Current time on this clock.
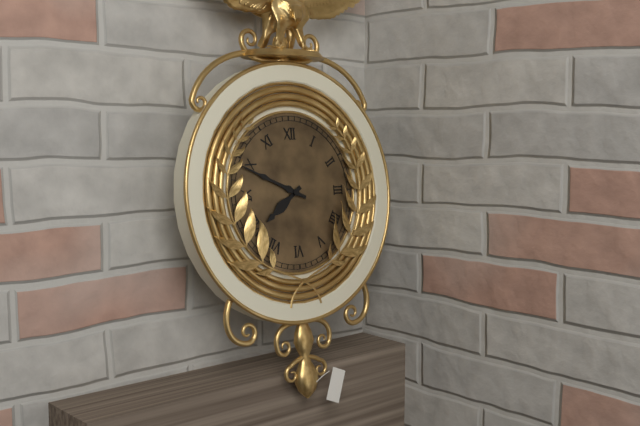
7:49
